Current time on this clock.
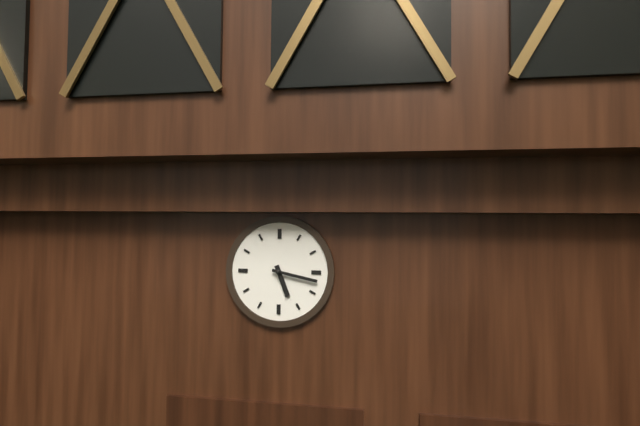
5:17
